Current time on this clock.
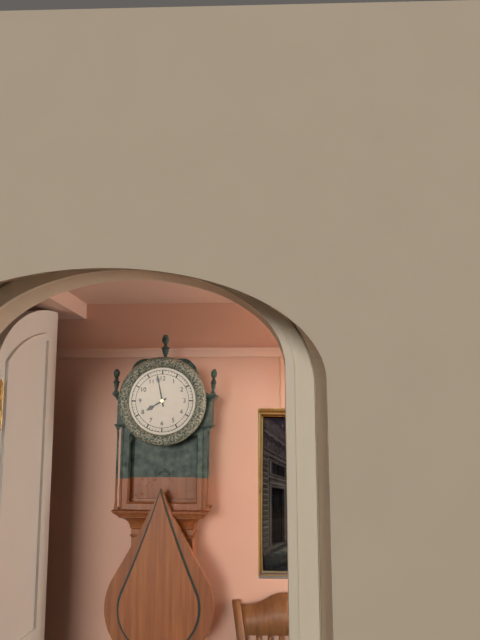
7:58
